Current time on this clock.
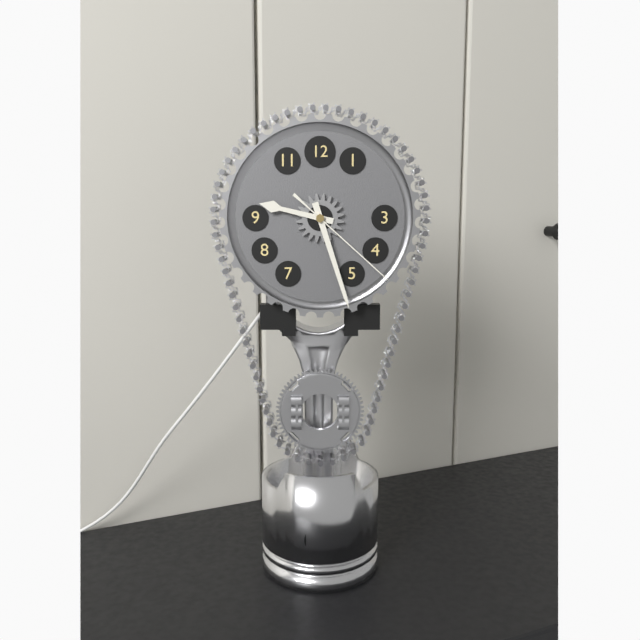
9:27:22
